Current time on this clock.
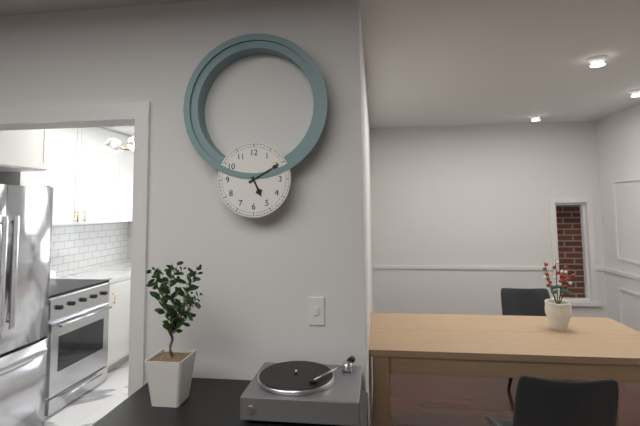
5:10
